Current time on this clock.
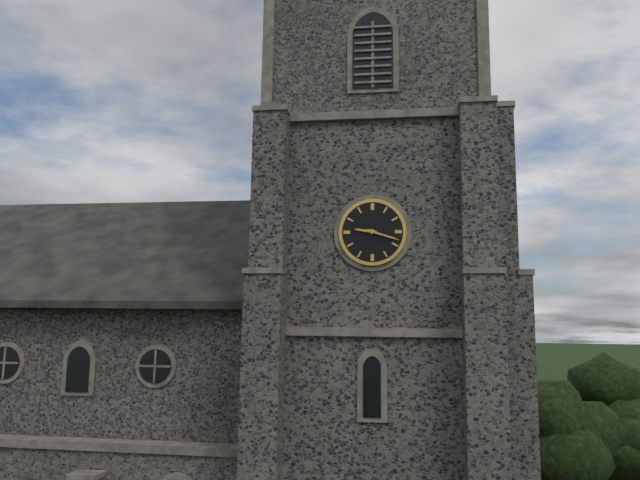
9:18
